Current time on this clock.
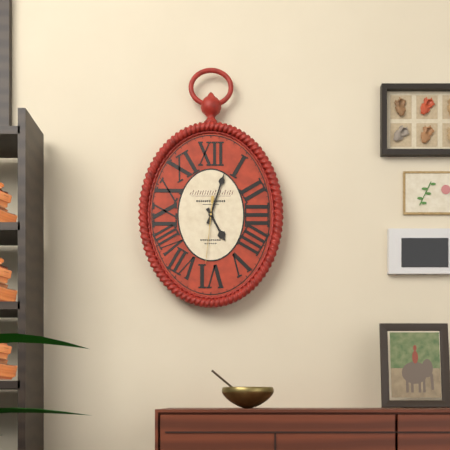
5:03:31
